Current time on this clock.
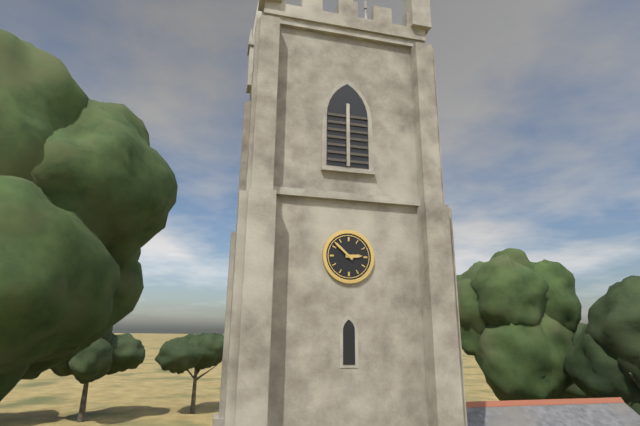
2:52
